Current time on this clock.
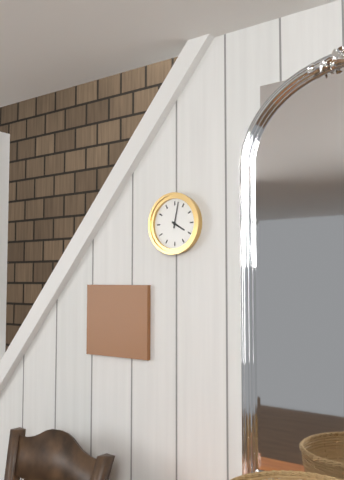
4:02
